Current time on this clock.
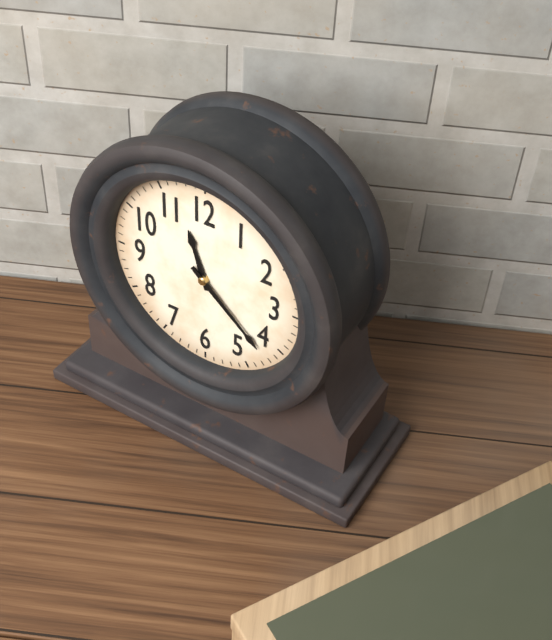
11:22
